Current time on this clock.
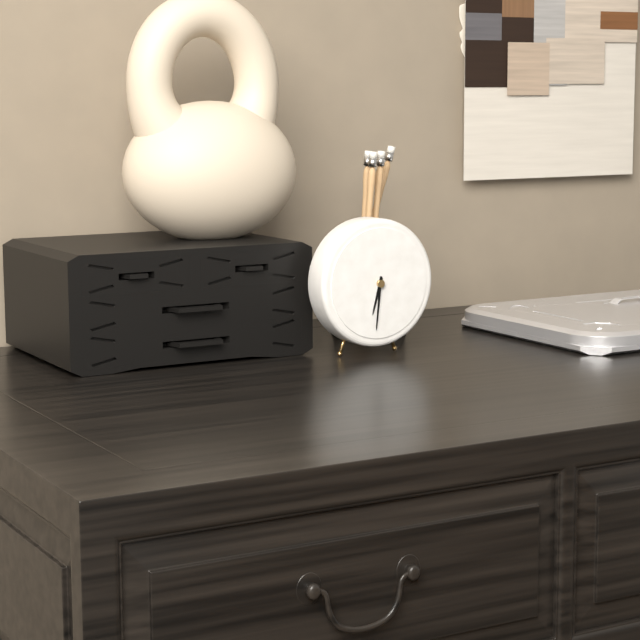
6:31
